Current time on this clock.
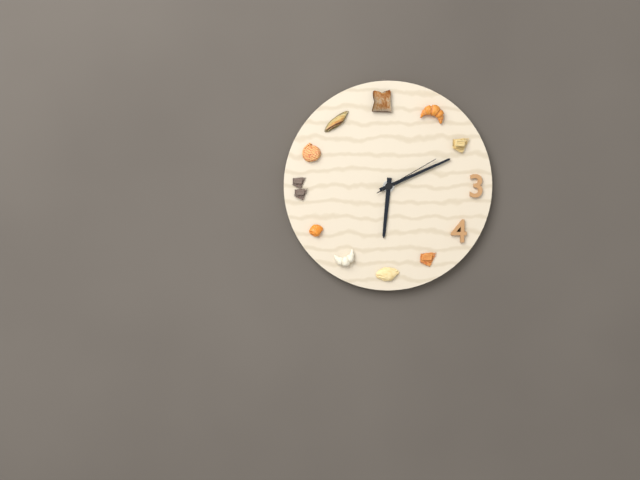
6:11:10
